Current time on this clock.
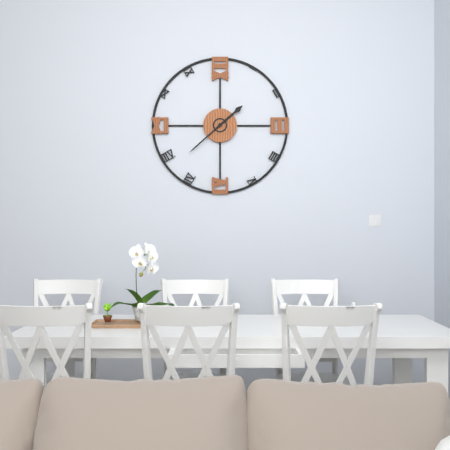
1:38
